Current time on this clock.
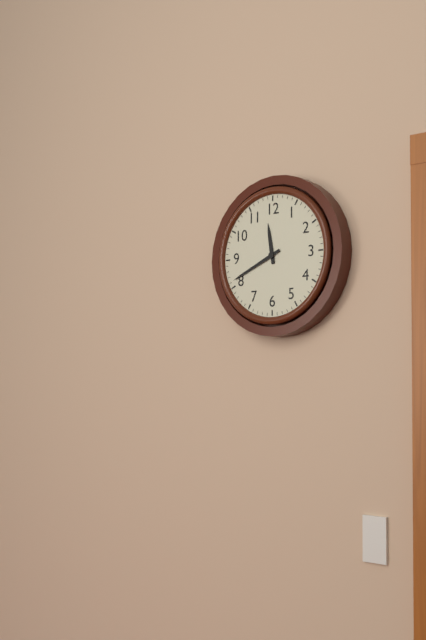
11:41
